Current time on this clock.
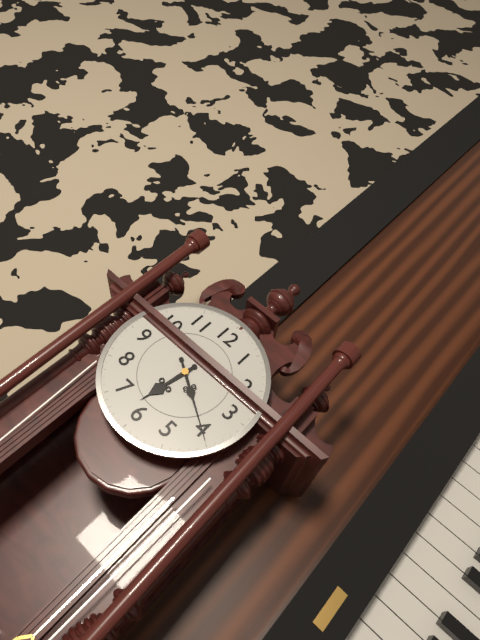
6:20
